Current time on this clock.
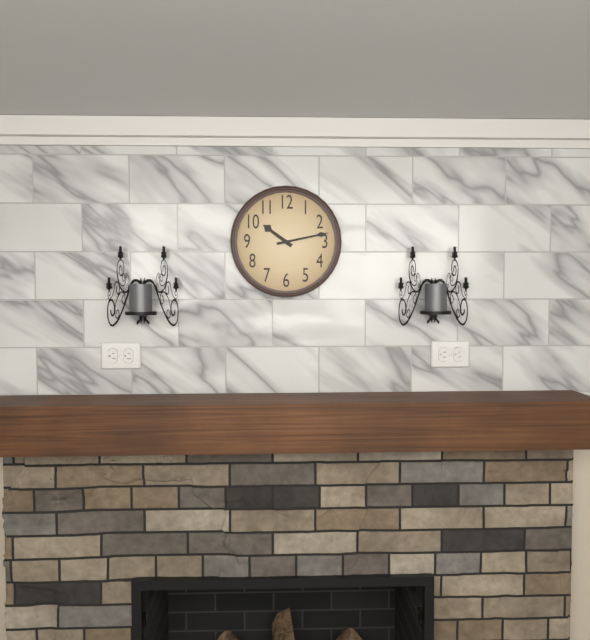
10:13
